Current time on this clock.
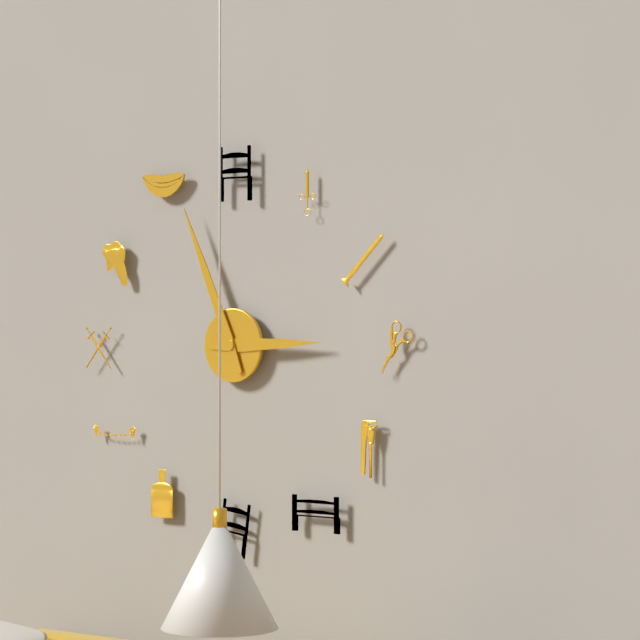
2:56
